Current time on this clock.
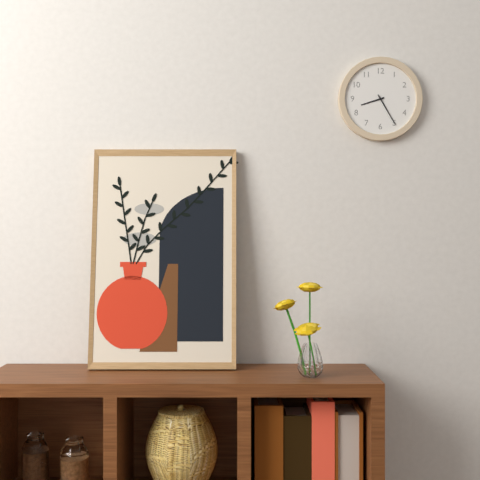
8:25
